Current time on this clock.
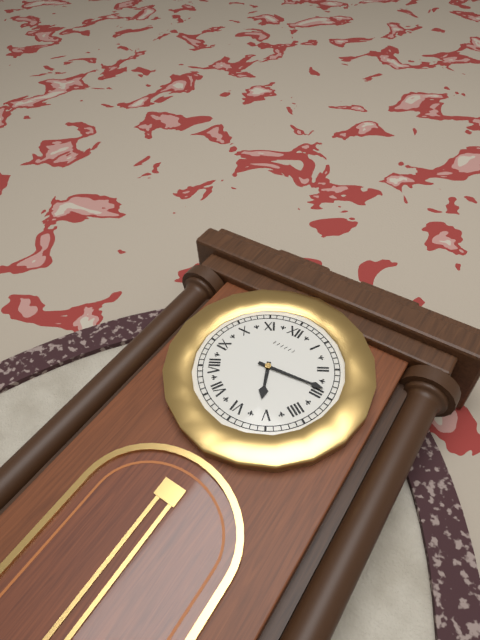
5:14
